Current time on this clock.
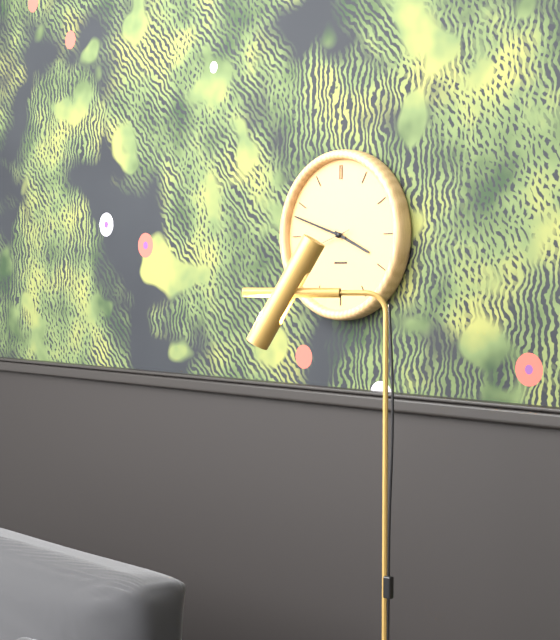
3:48
